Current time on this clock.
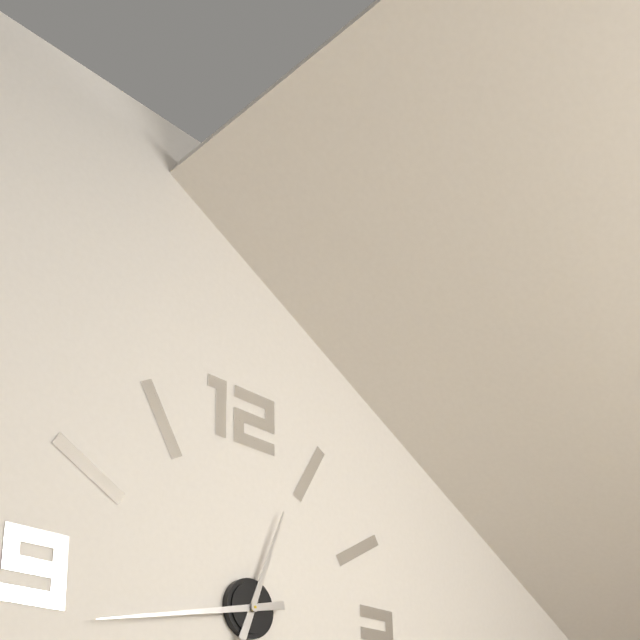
12:43
